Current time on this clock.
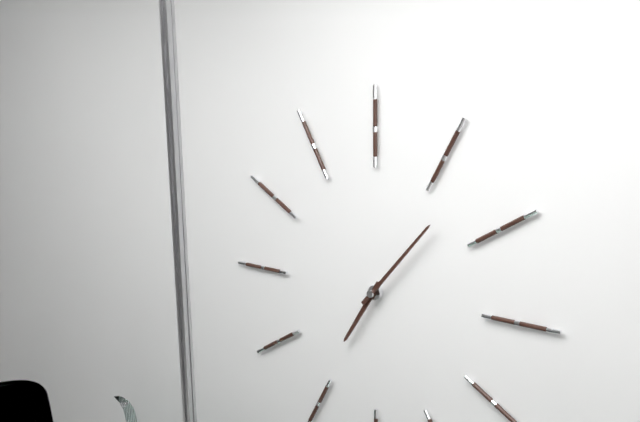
7:07
